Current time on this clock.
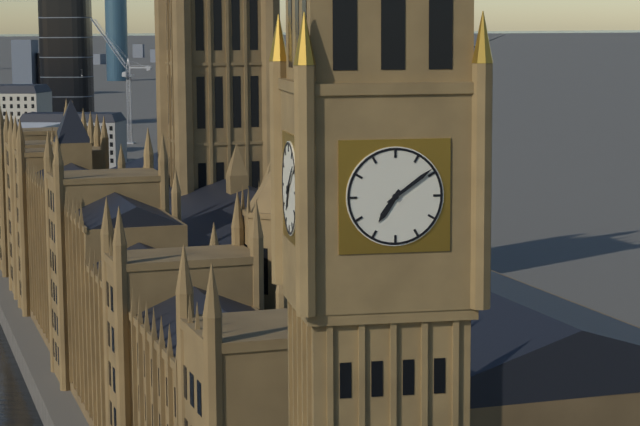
7:09
